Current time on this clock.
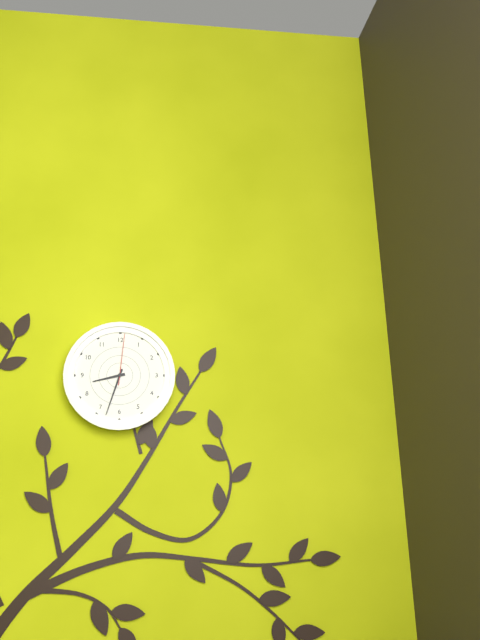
8:33:01
